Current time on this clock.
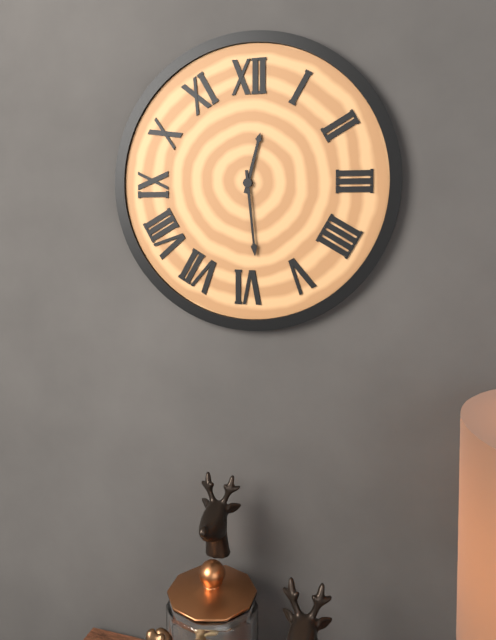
12:29
